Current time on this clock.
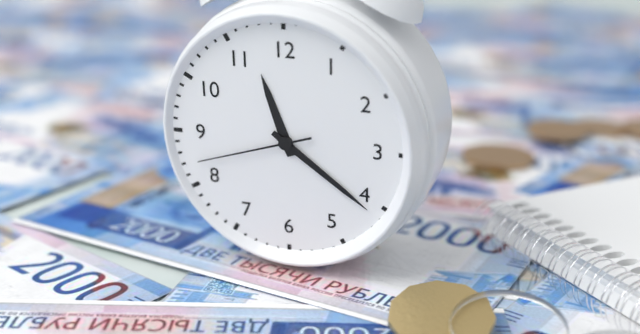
11:21:42
